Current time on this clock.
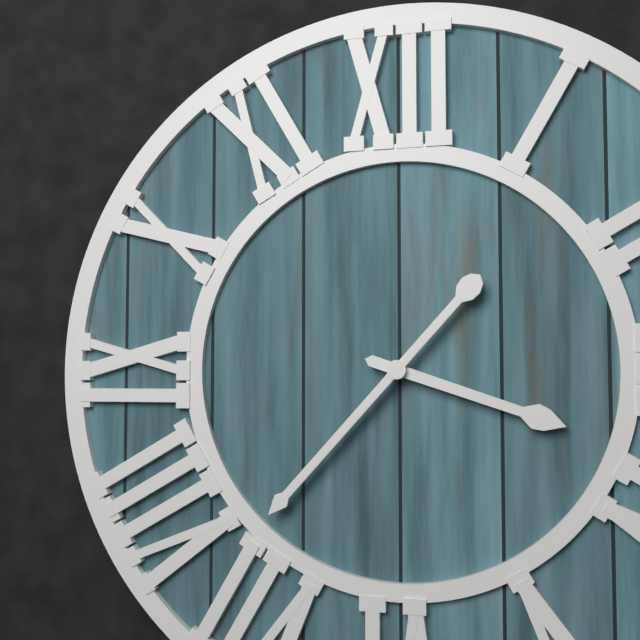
3:37
